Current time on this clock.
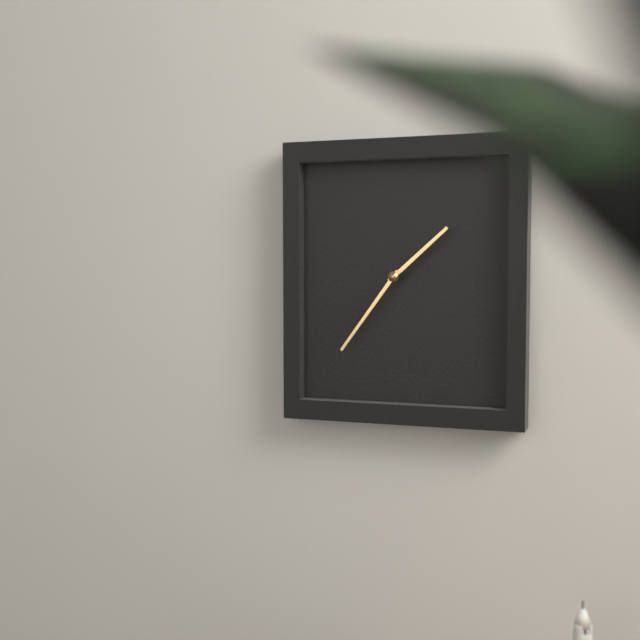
1:36
